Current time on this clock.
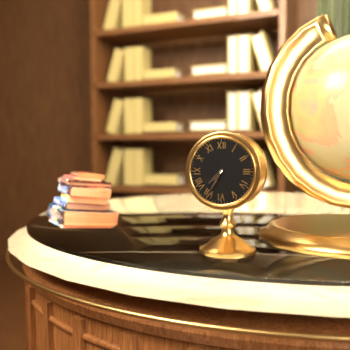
7:35
